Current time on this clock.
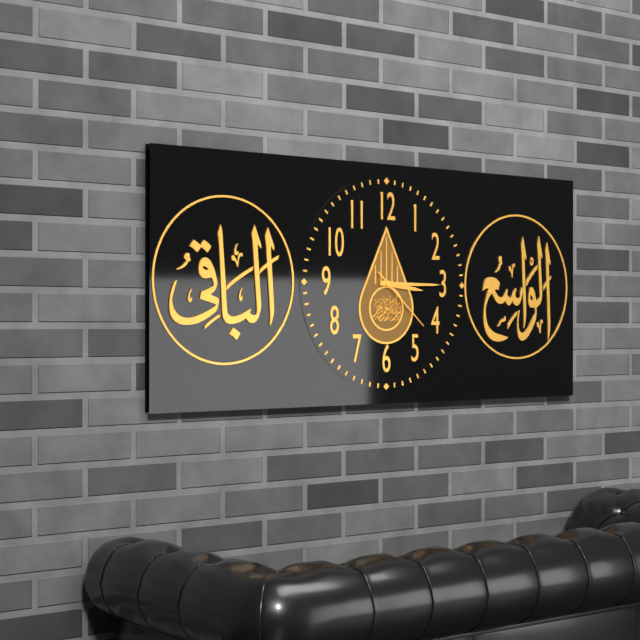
3:15:22
